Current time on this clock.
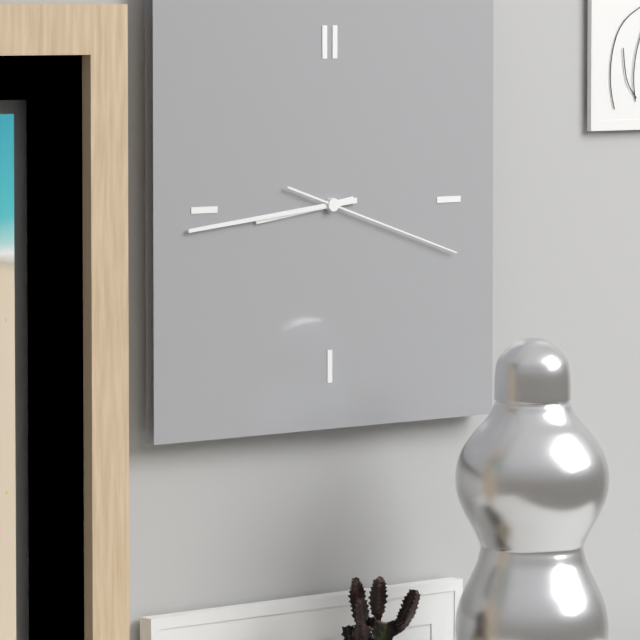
8:44:18
